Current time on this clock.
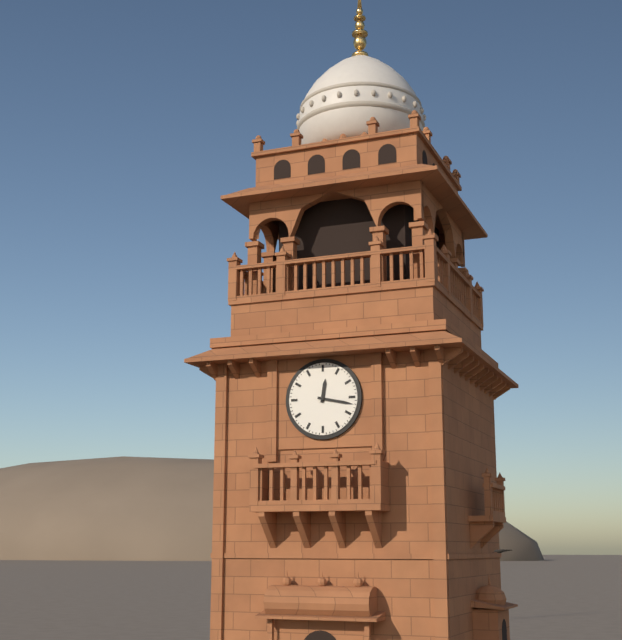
12:17
